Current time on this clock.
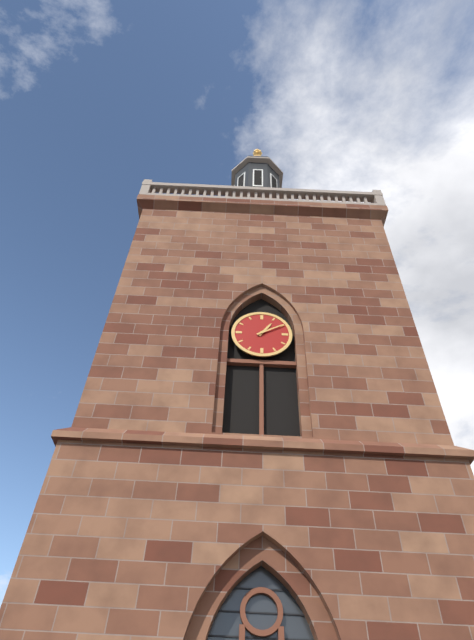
1:10
